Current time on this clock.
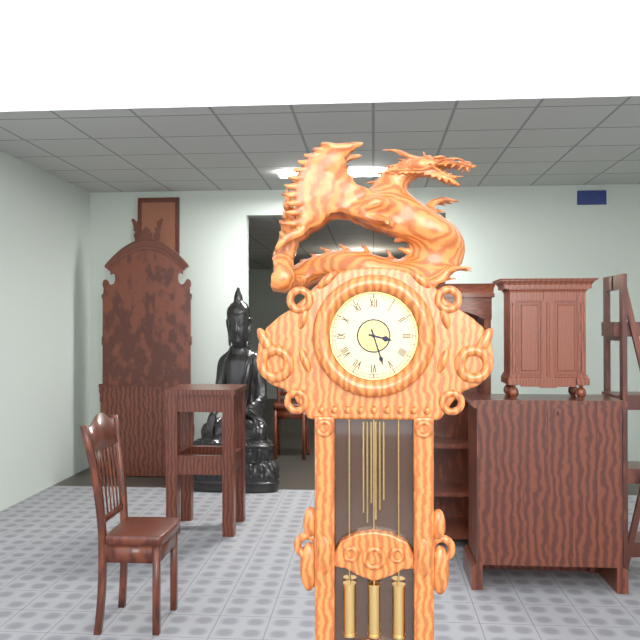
3:27
